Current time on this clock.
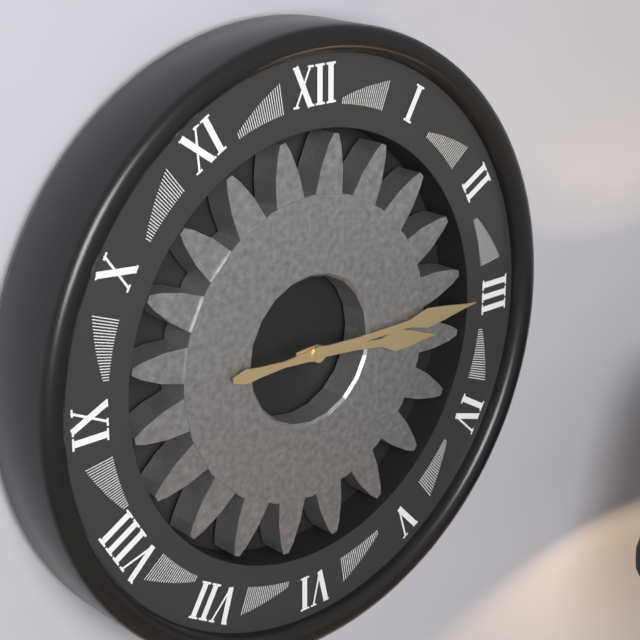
3:15
